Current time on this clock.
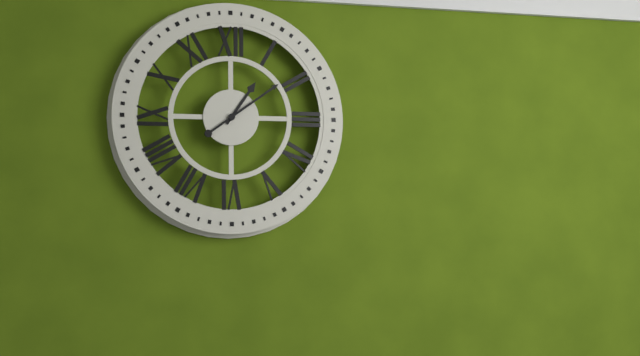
1:09
